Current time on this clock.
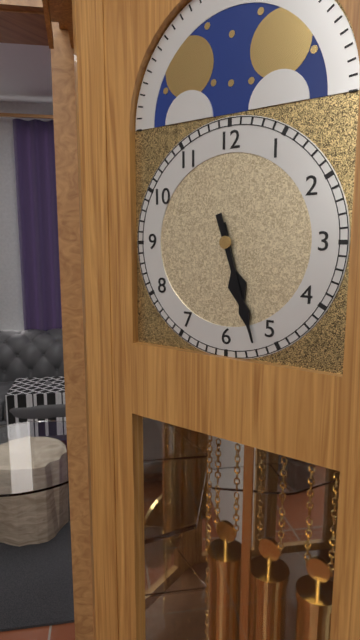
5:27
